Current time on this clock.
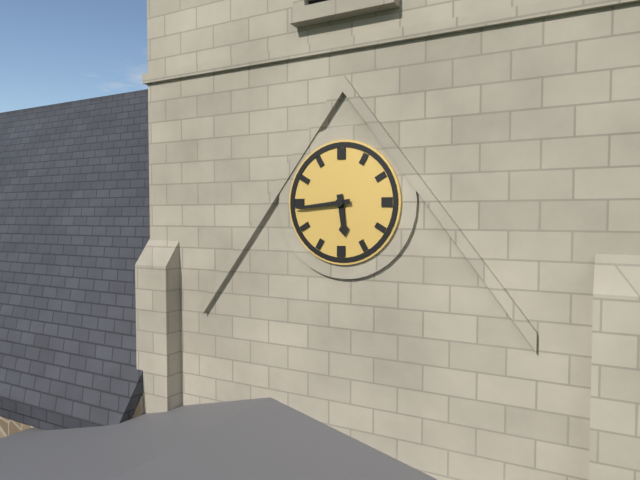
5:44
